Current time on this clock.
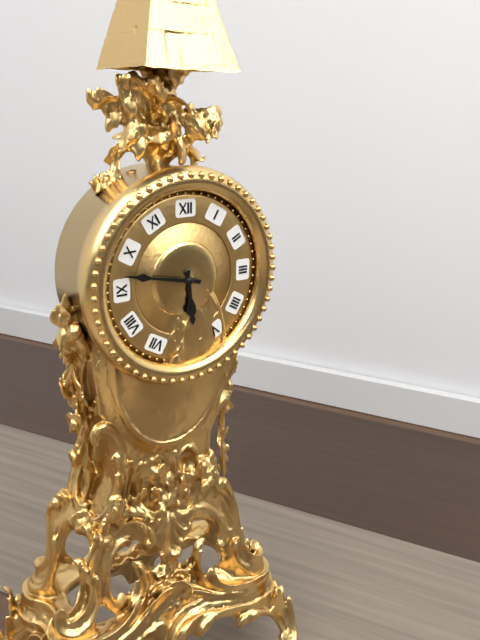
5:47
